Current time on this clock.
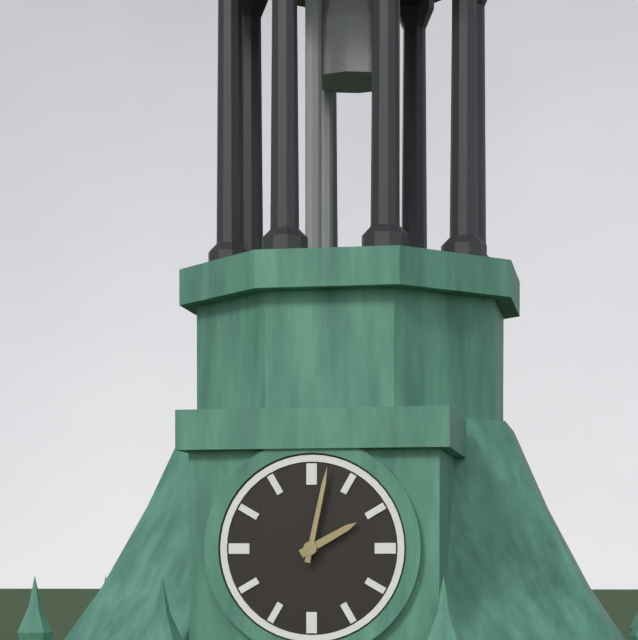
2:02
